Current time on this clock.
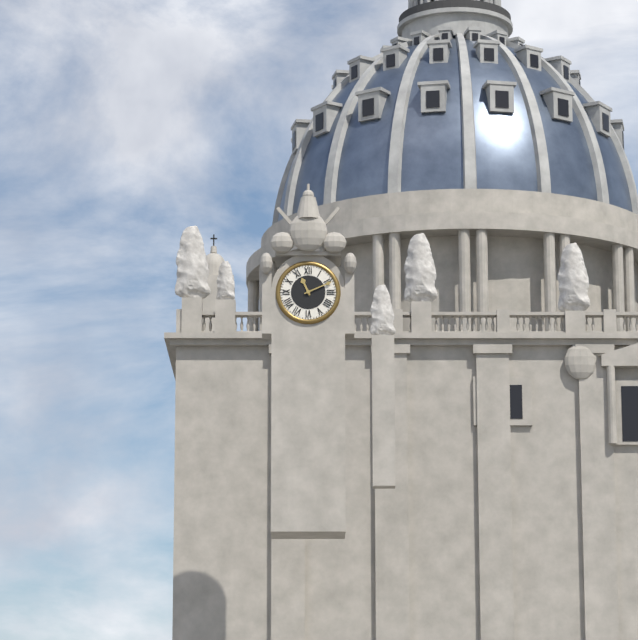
11:11
